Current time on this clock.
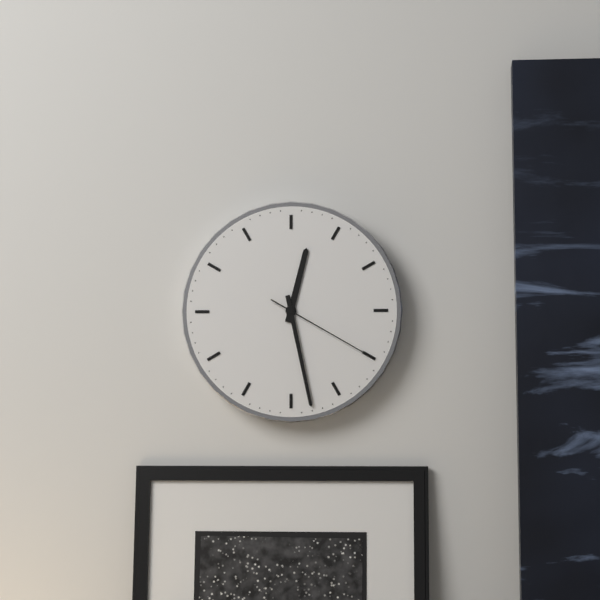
12:28:20
